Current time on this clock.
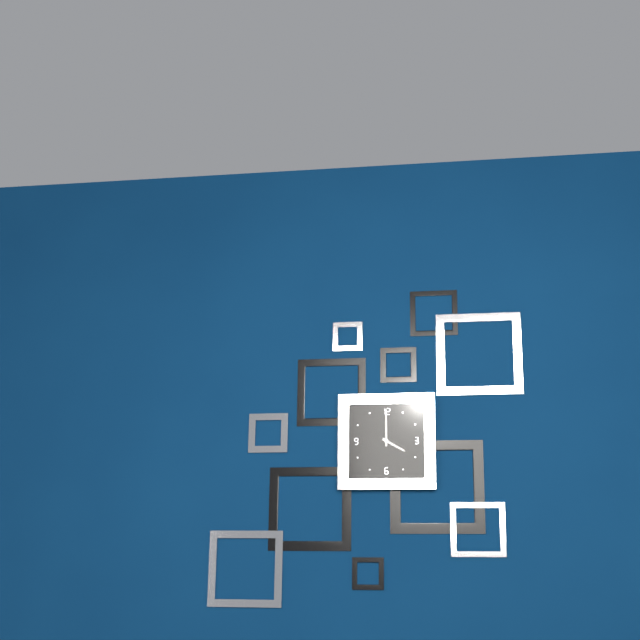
4:00
